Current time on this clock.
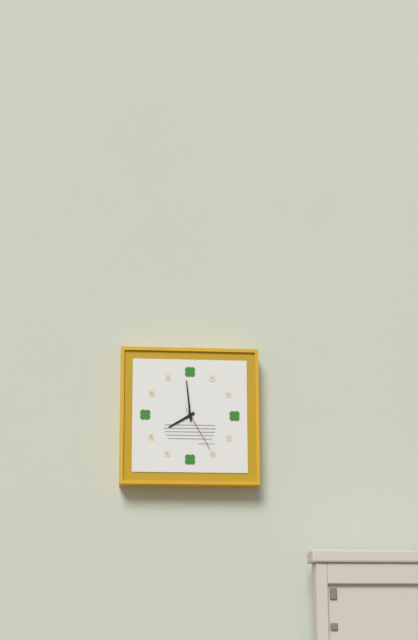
7:59
